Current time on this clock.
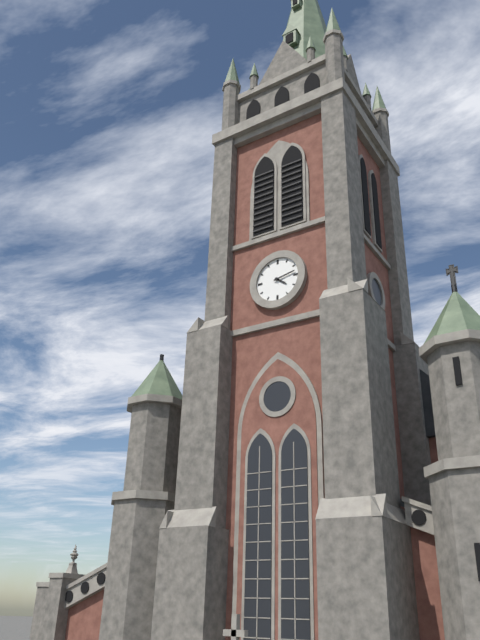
4:13
